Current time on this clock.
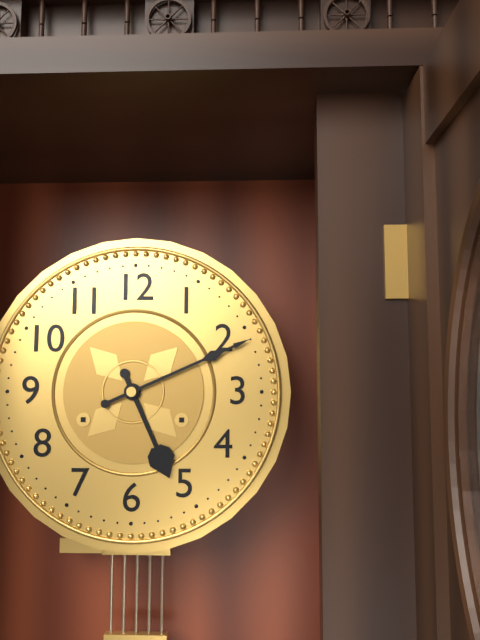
5:11
